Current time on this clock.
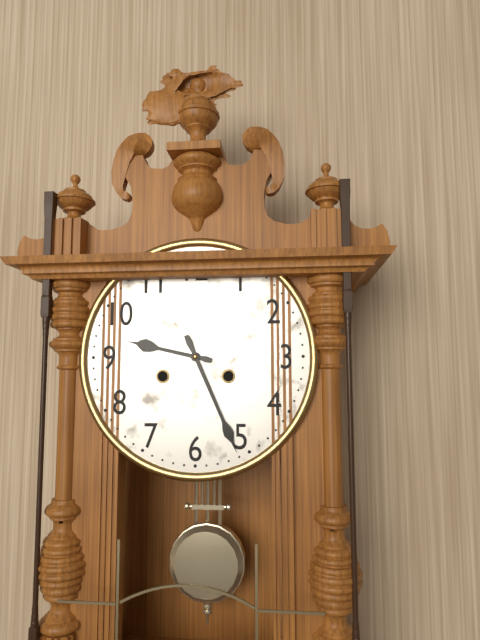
9:26
